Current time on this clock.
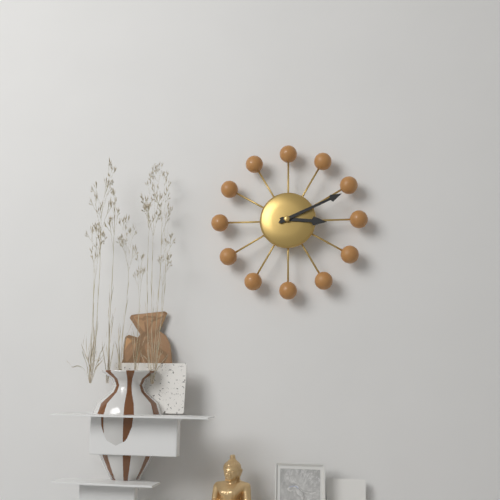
3:11
